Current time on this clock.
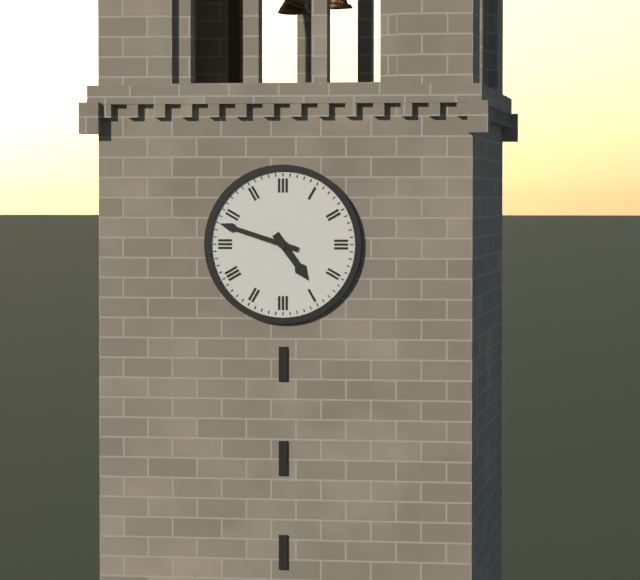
4:48
